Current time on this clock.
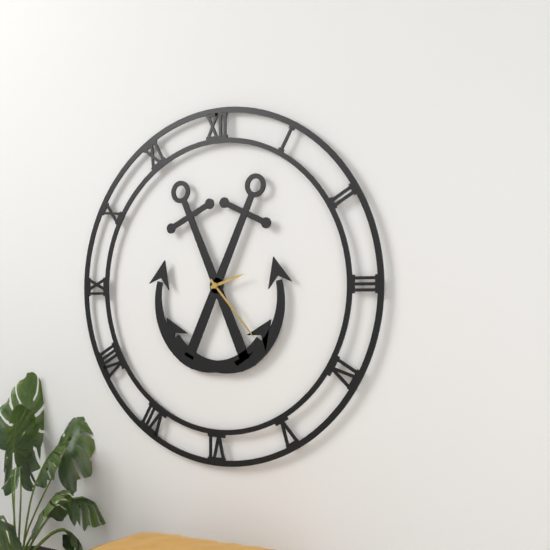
2:23
